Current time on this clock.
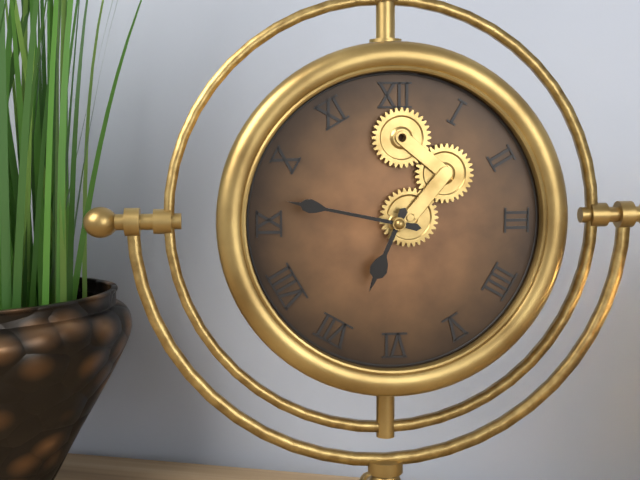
6:47
